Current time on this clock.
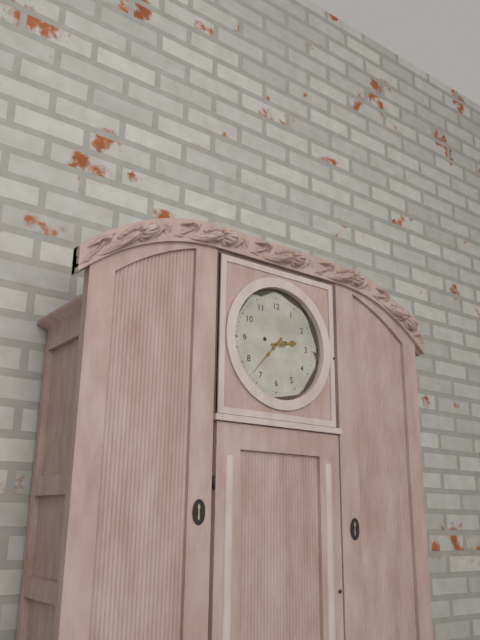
2:37
